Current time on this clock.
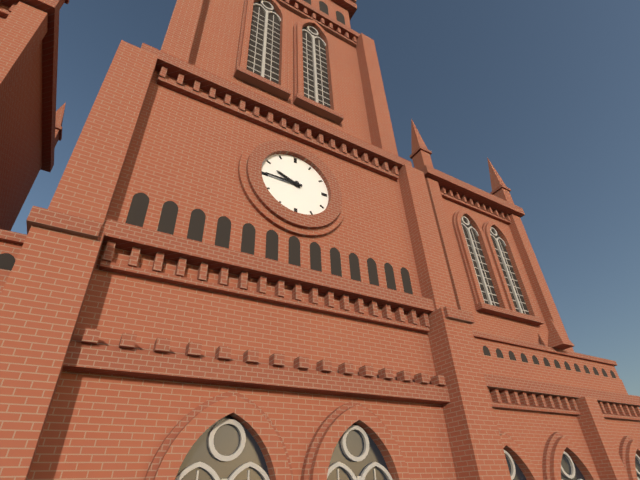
9:45
